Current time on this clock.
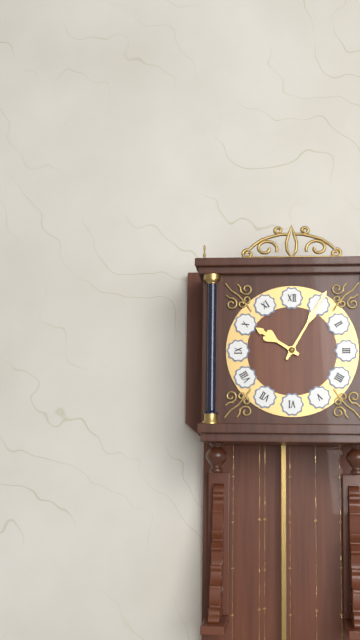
10:05
